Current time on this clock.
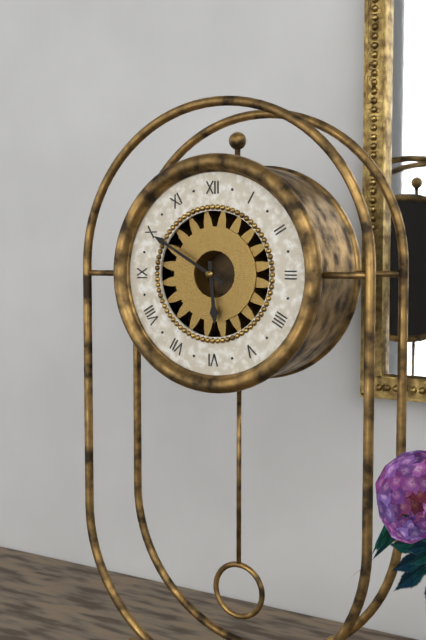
5:50
